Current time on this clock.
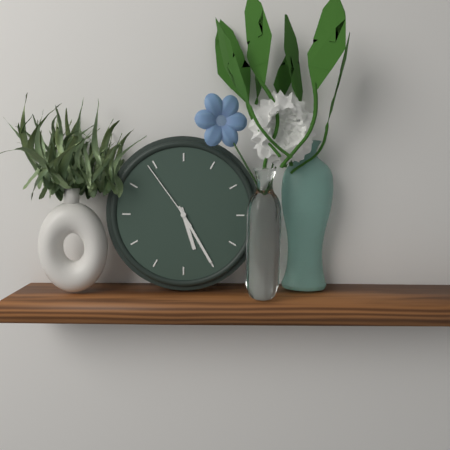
5:25:54
